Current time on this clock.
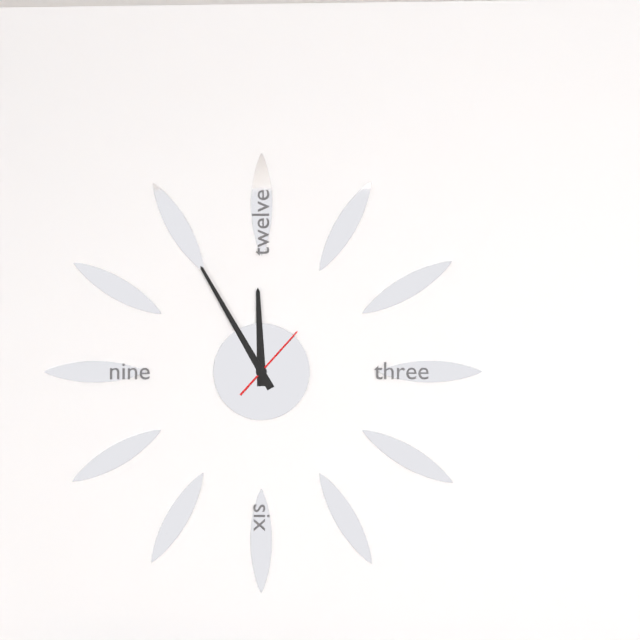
11:55:07
